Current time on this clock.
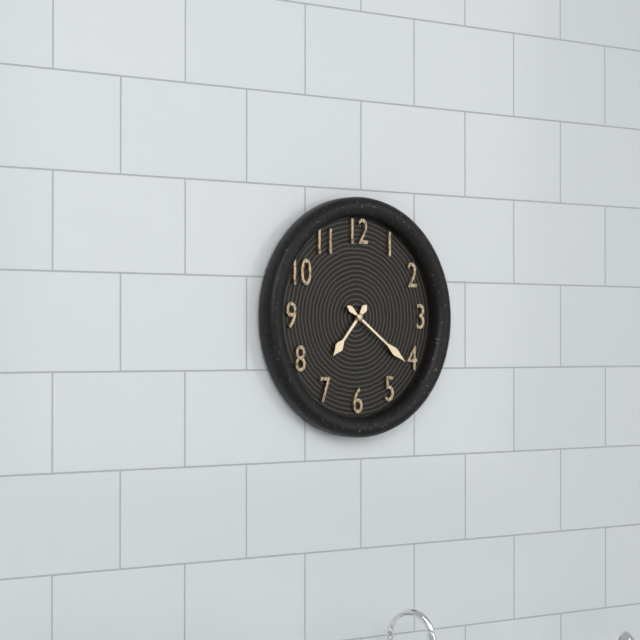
7:21
